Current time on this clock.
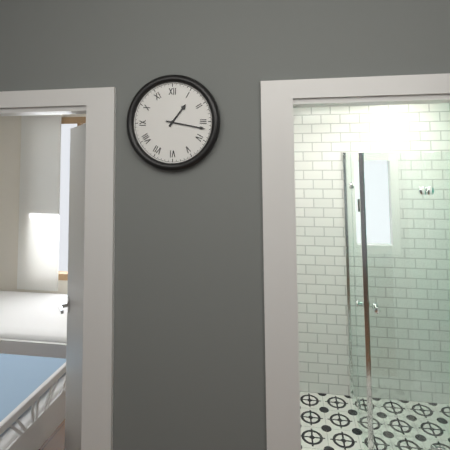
1:17
